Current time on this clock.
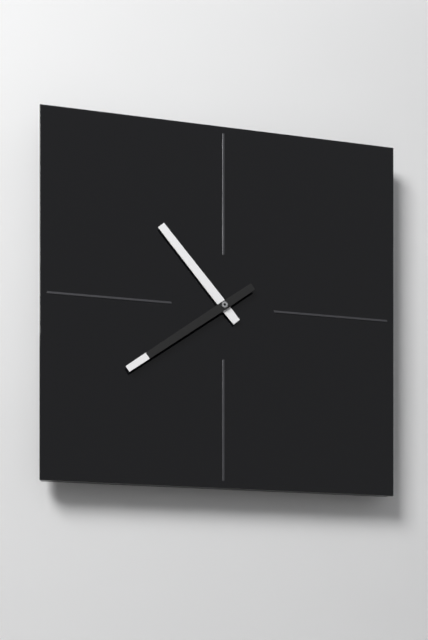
10:39
